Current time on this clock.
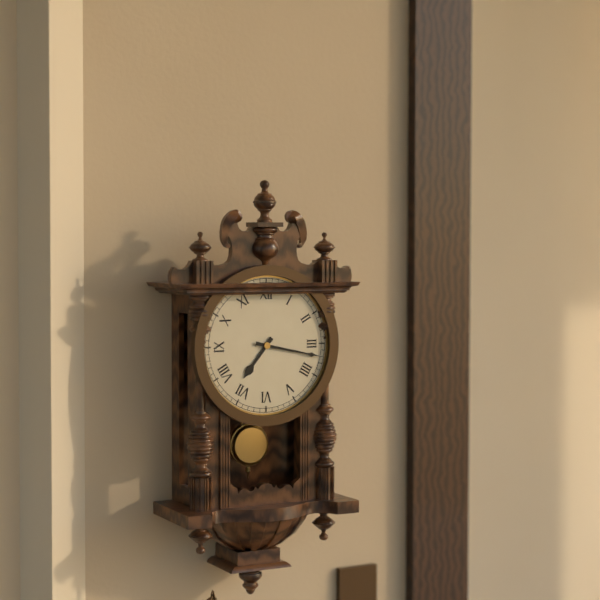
7:17
